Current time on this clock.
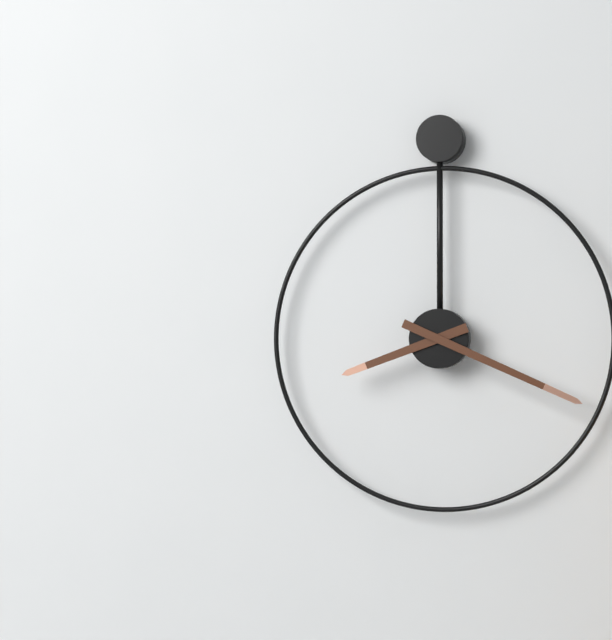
8:19
